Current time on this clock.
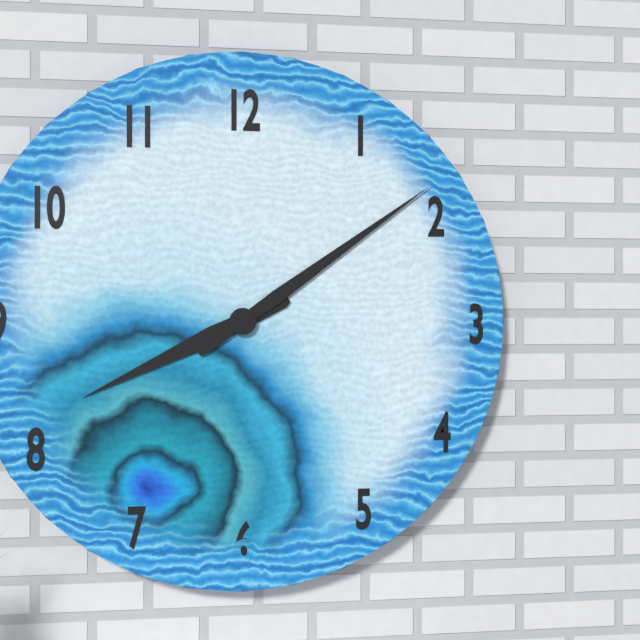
8:09
